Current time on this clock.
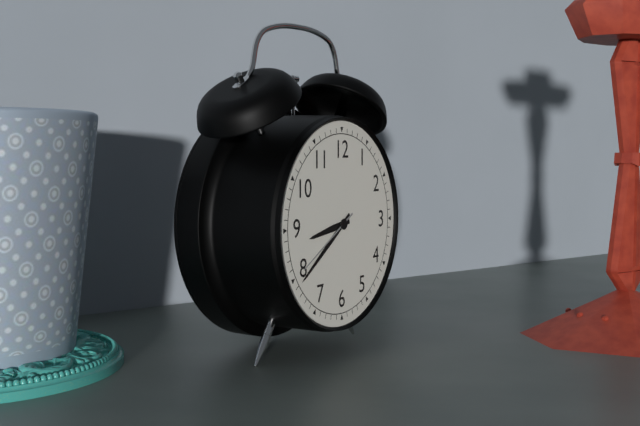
8:39:40
